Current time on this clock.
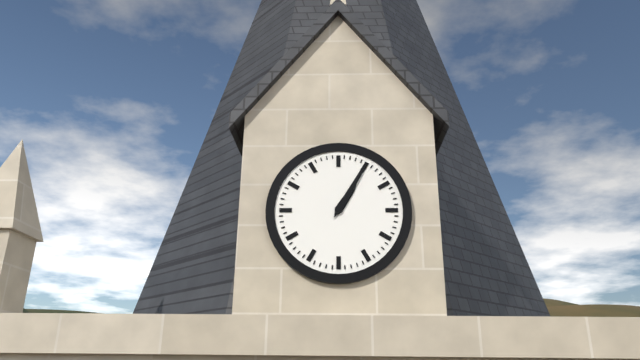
1:05
